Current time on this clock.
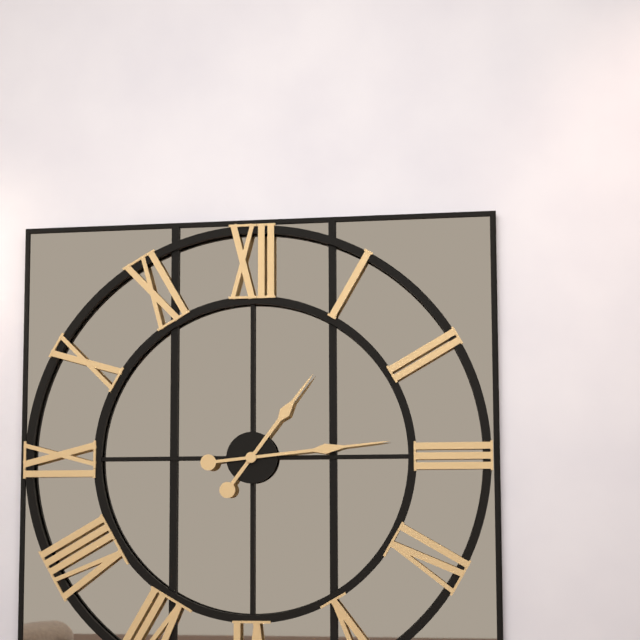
1:14
